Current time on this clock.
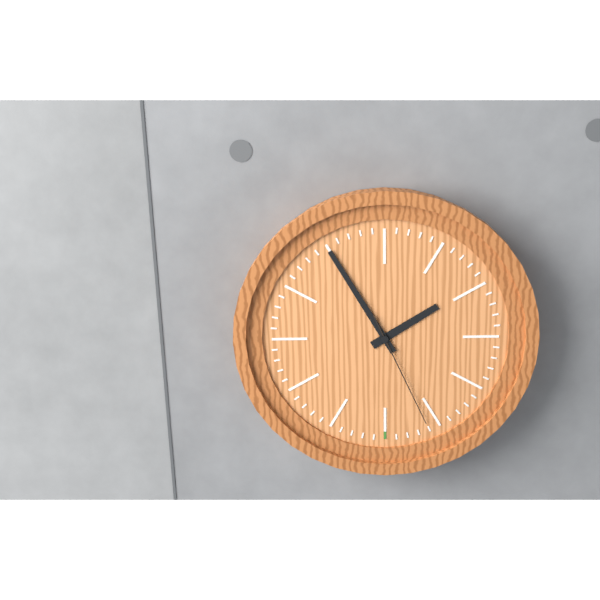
1:55:26
